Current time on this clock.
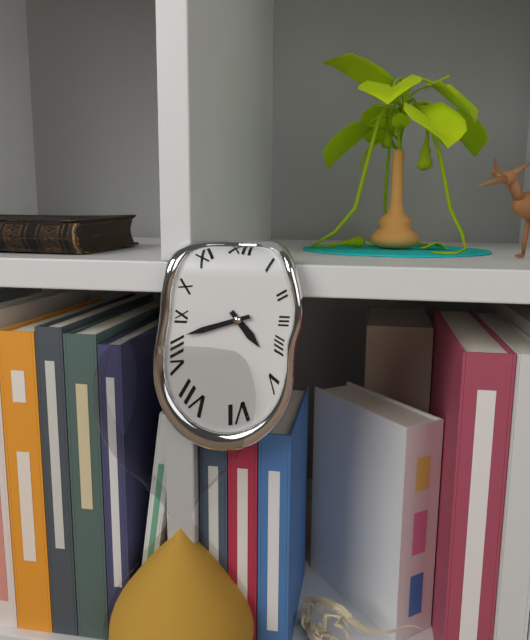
4:42
